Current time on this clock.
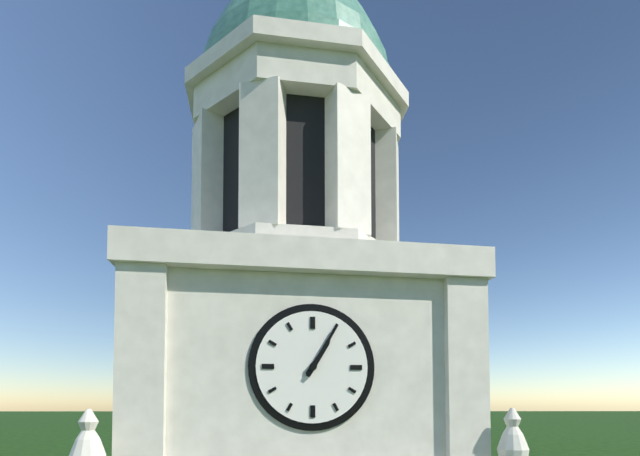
1:05
